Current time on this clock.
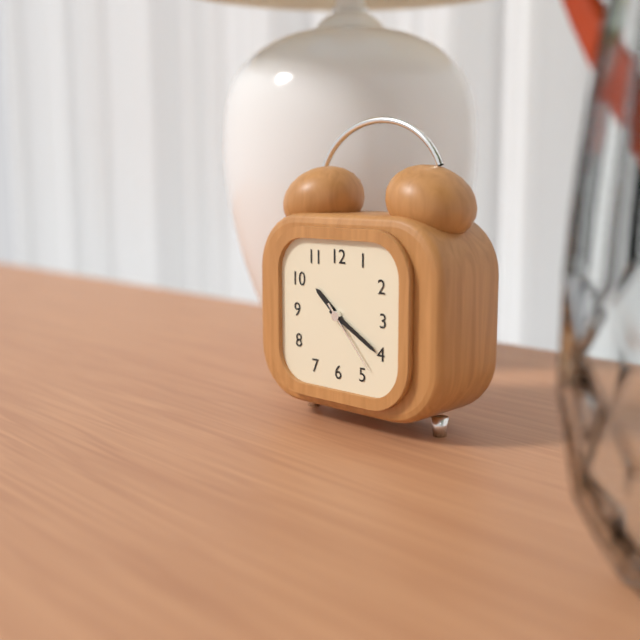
10:20:23
